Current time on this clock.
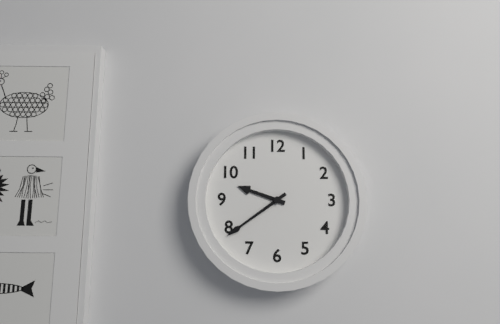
9:39
